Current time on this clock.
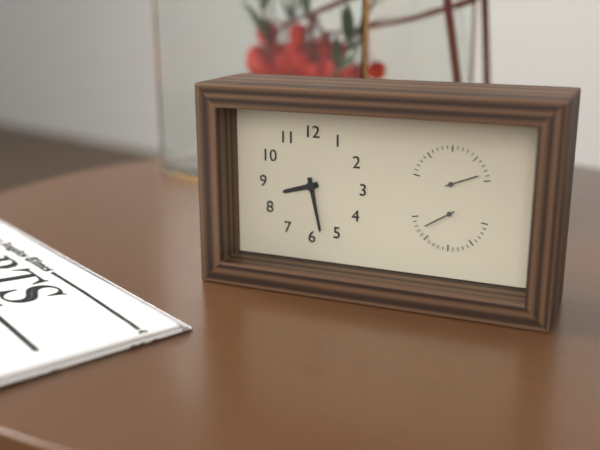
8:28
